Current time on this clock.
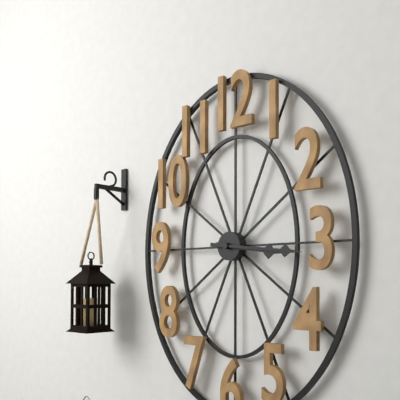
3:16
